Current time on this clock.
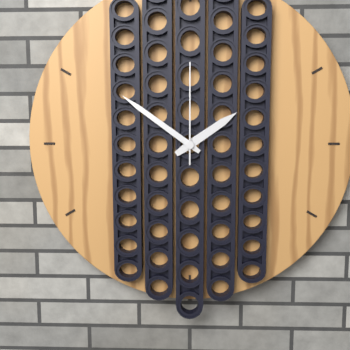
1:51:00
